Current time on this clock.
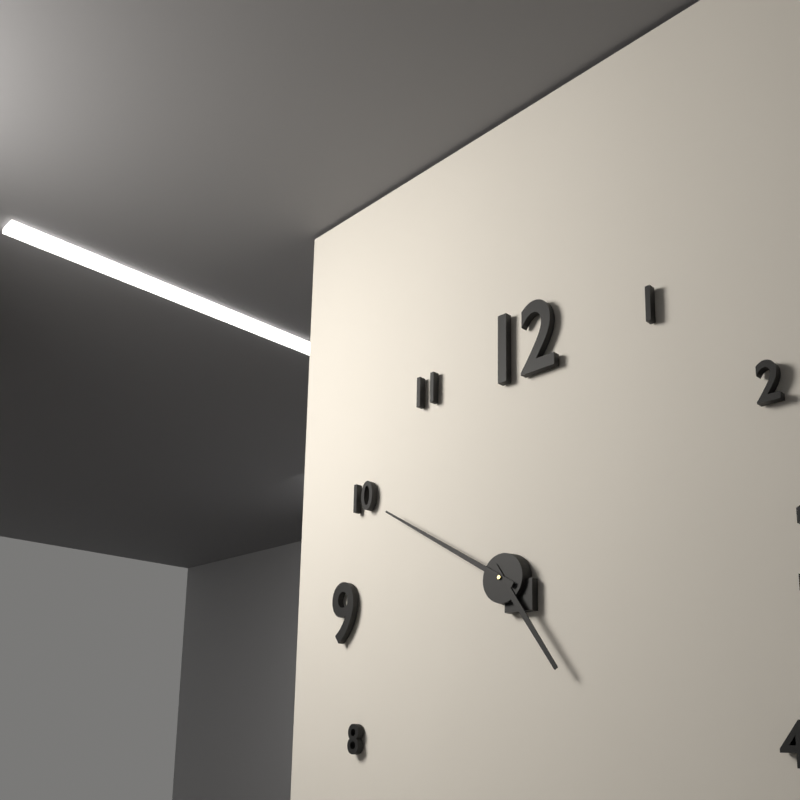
4:50
